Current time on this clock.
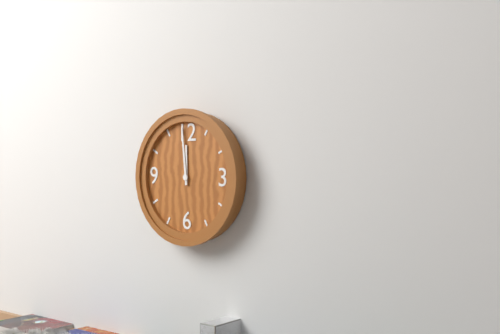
11:59
